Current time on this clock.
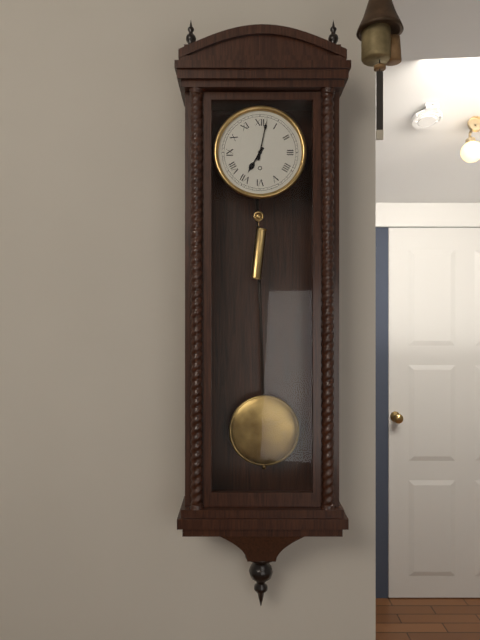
7:02
